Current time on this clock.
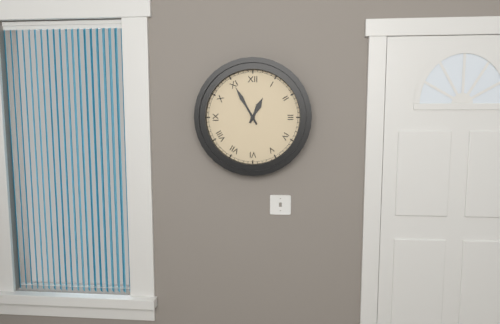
12:55
